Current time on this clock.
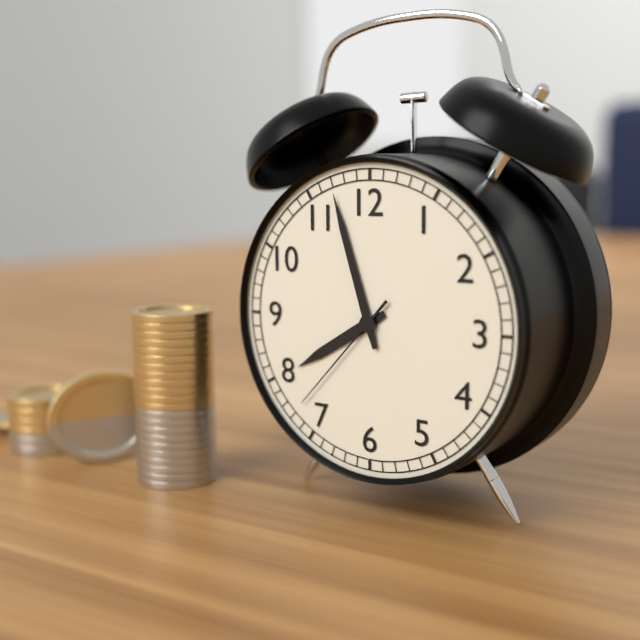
7:57:37
